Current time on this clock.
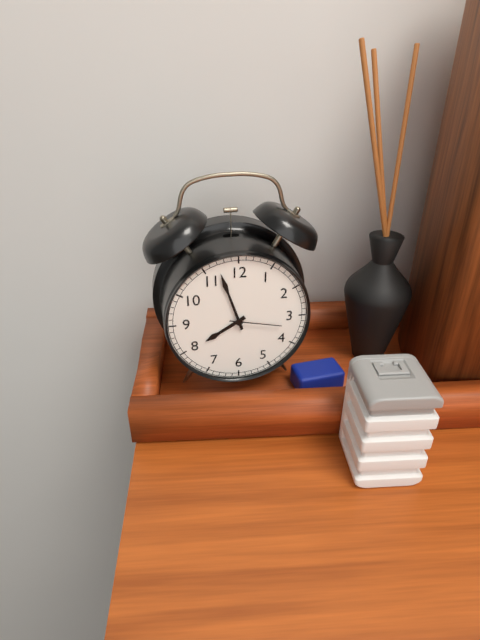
7:57:17
